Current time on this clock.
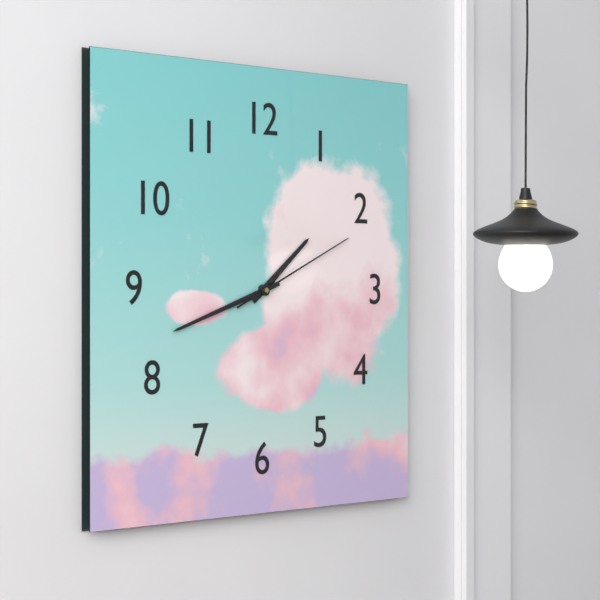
1:42:11
